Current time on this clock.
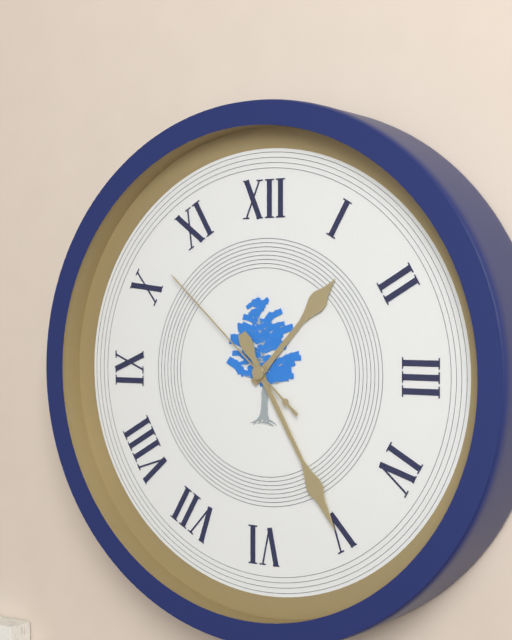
1:25:52
